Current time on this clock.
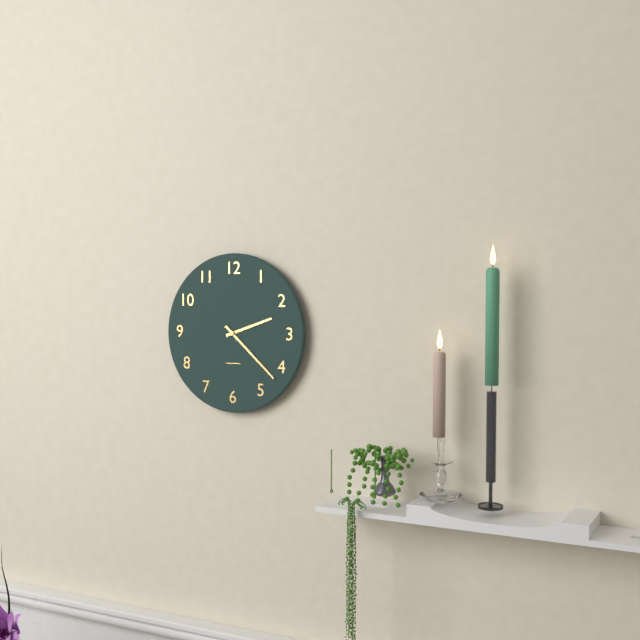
2:22
